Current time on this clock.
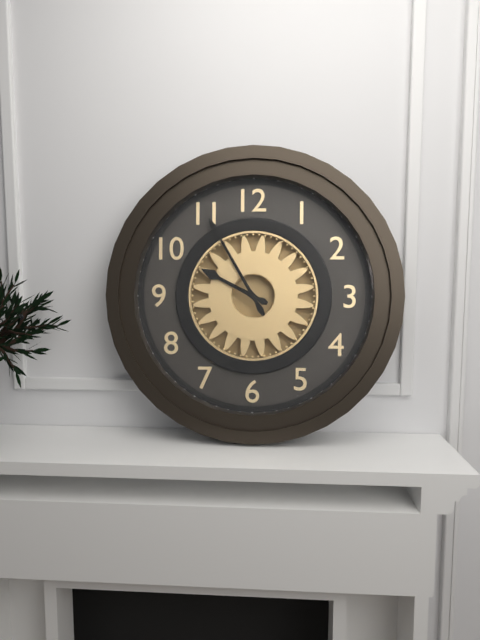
9:55
